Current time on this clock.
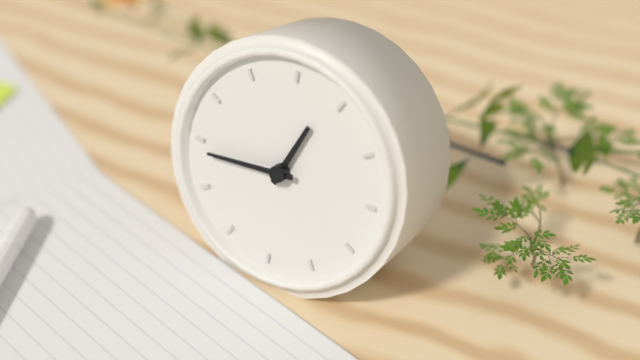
12:44
